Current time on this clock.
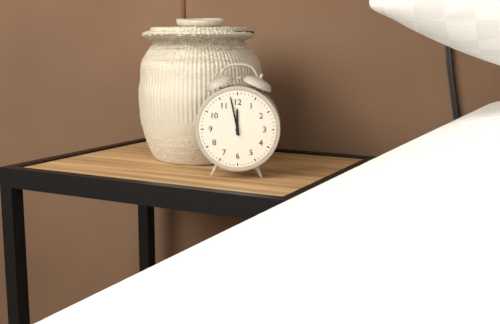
11:58
